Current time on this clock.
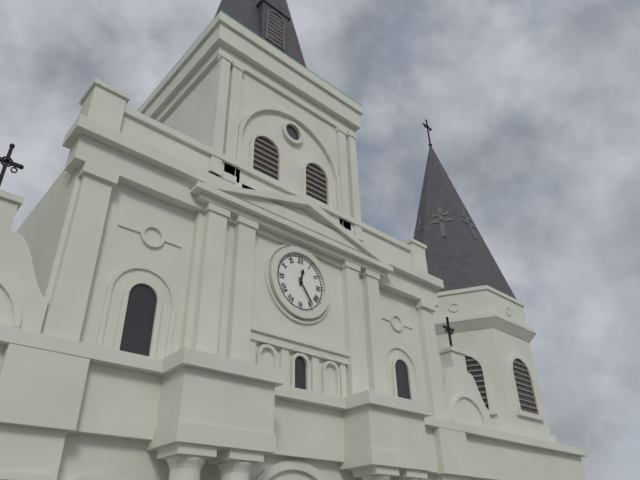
12:24
